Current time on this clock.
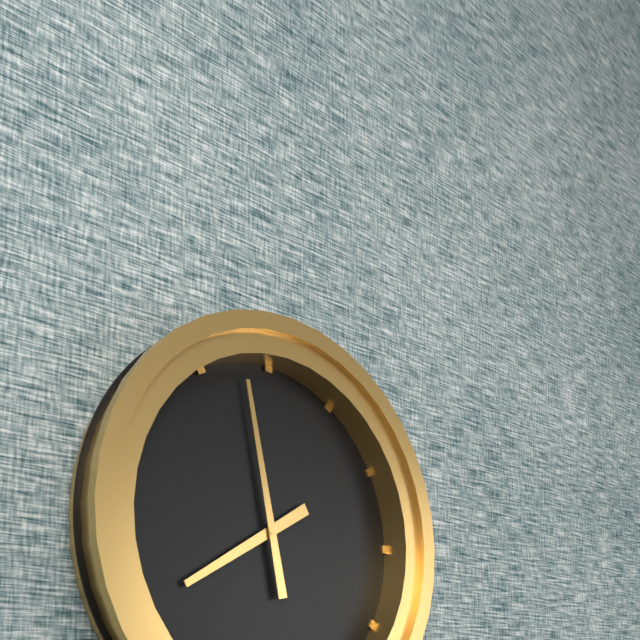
7:58
